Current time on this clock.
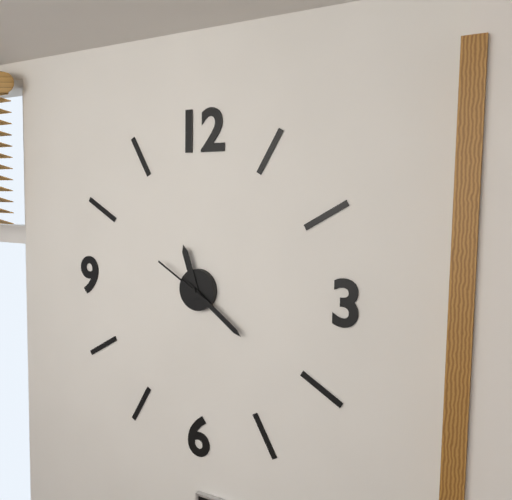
11:21:50
